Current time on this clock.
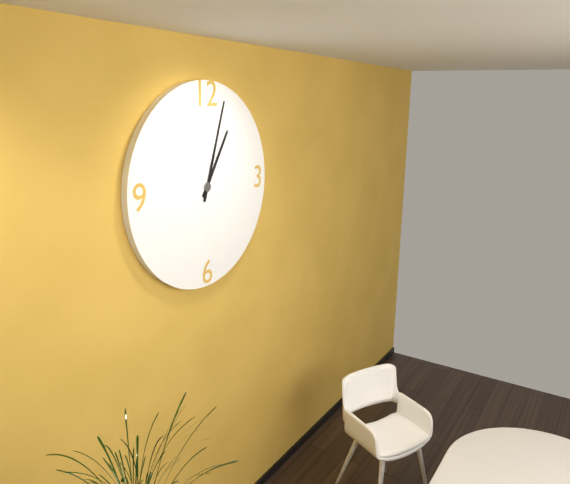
1:03
